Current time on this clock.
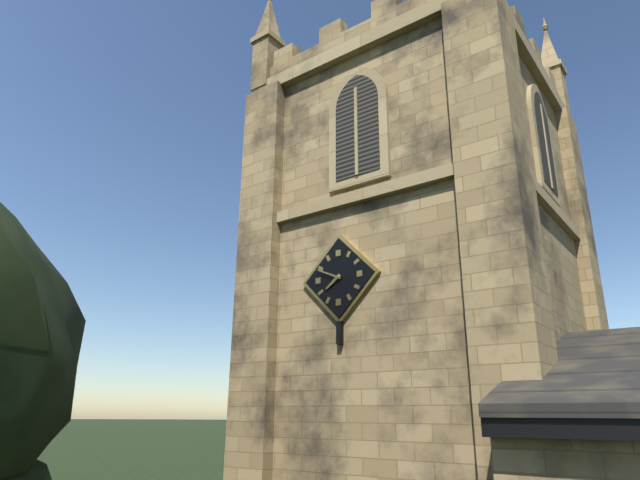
7:49
